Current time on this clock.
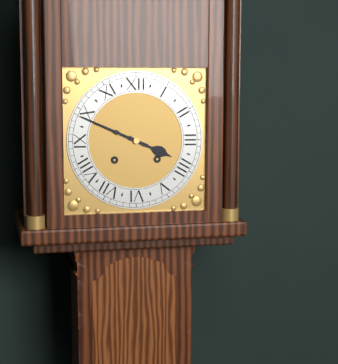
3:49
